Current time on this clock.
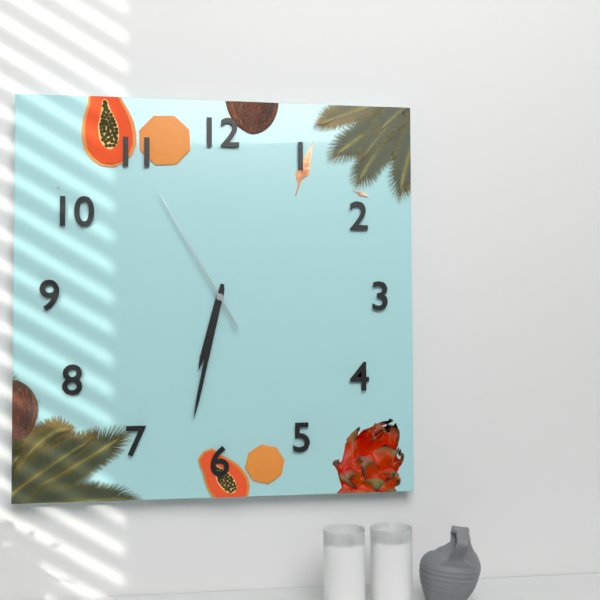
6:32:55
